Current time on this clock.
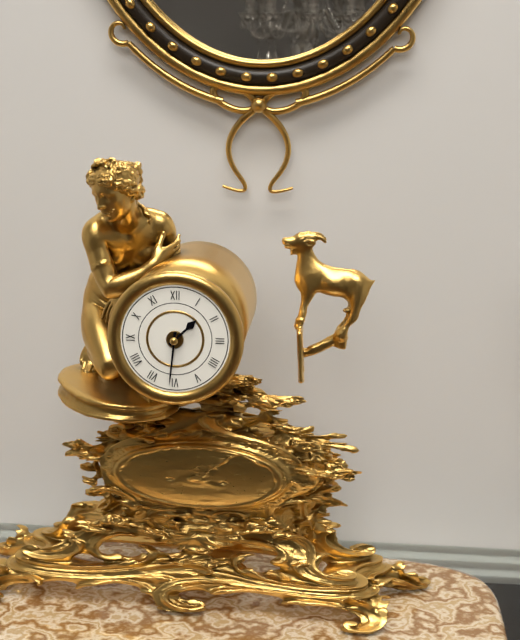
1:31
